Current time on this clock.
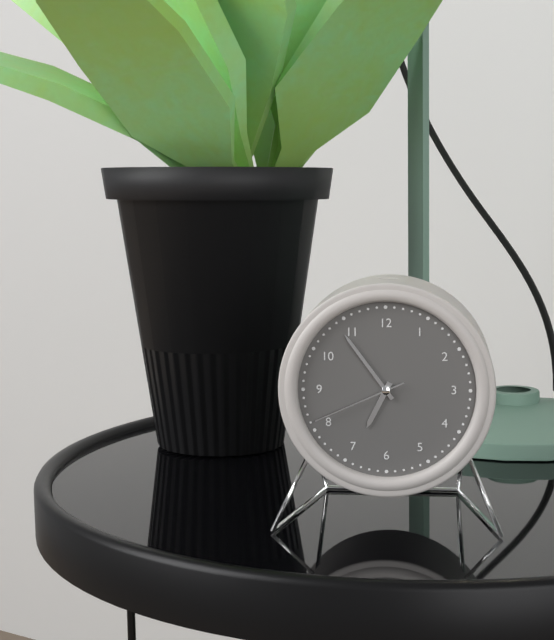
6:54:41
